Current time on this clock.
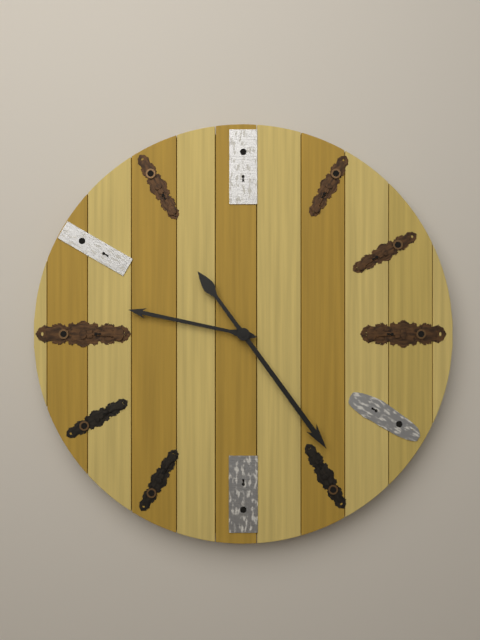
9:24
